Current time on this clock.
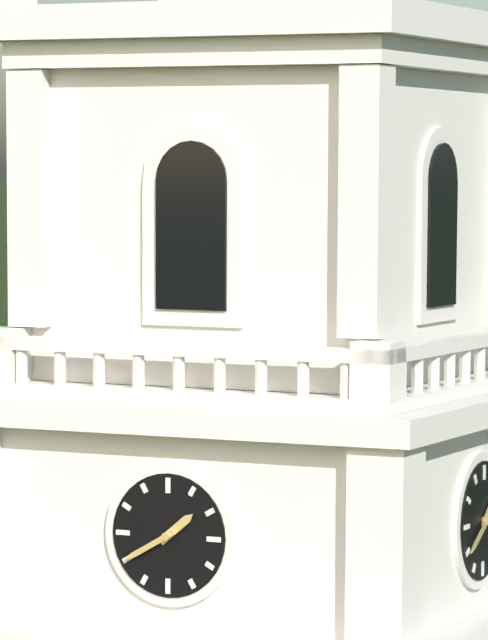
1:40
